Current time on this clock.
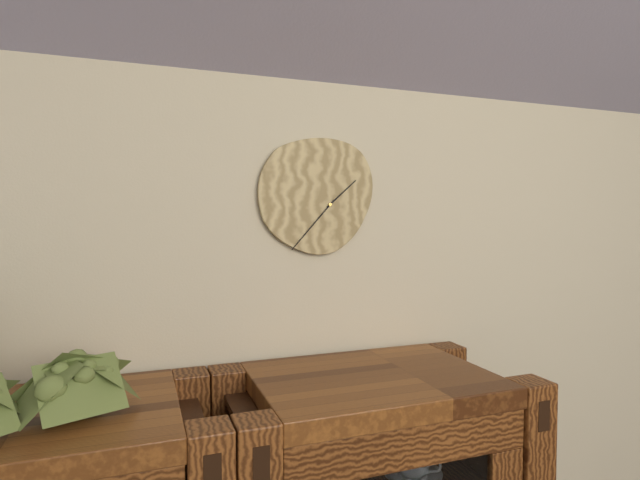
1:37
